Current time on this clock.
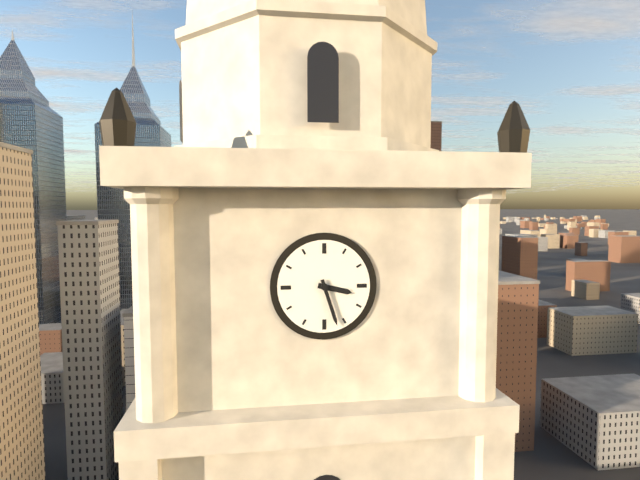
3:27
